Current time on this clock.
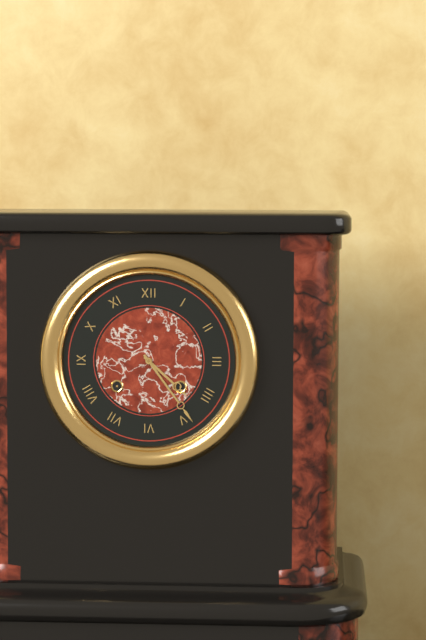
4:24
